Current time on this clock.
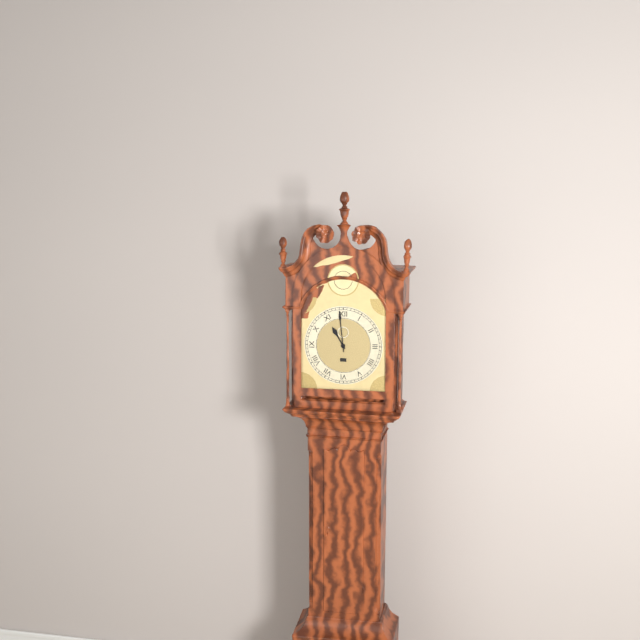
10:59
